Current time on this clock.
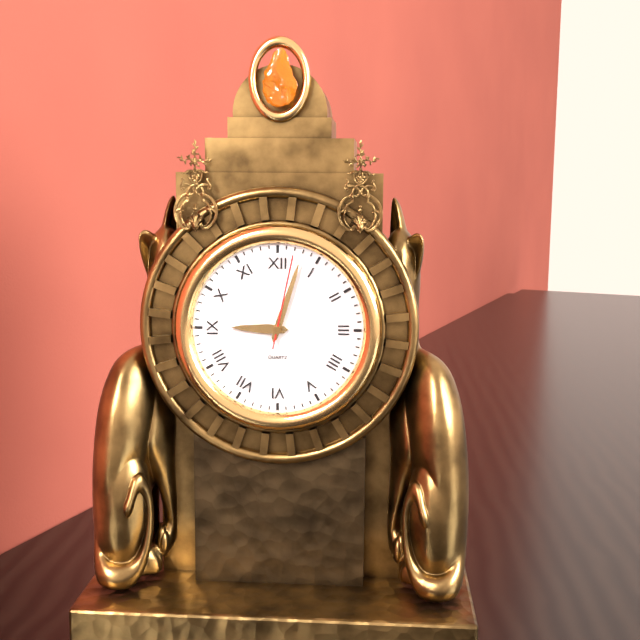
9:03:02
